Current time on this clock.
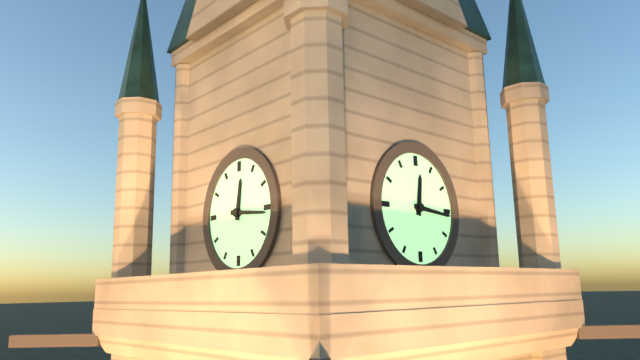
12:16
